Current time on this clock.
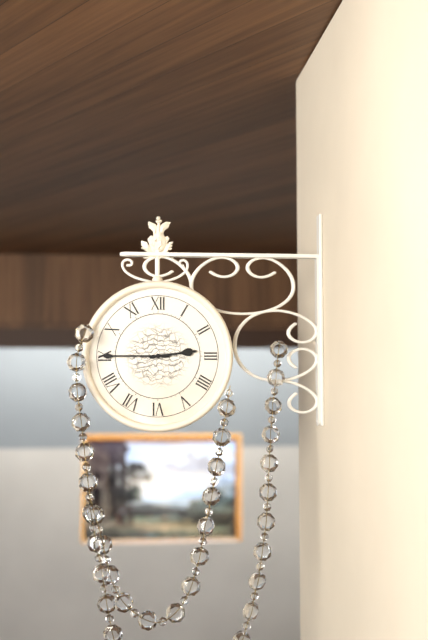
2:45
